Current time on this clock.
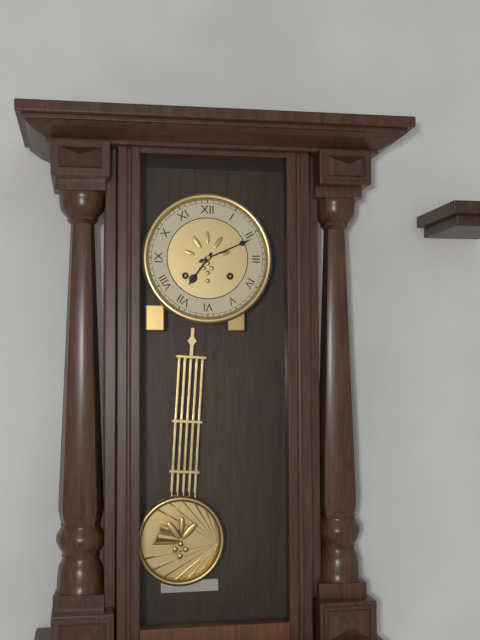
7:11
